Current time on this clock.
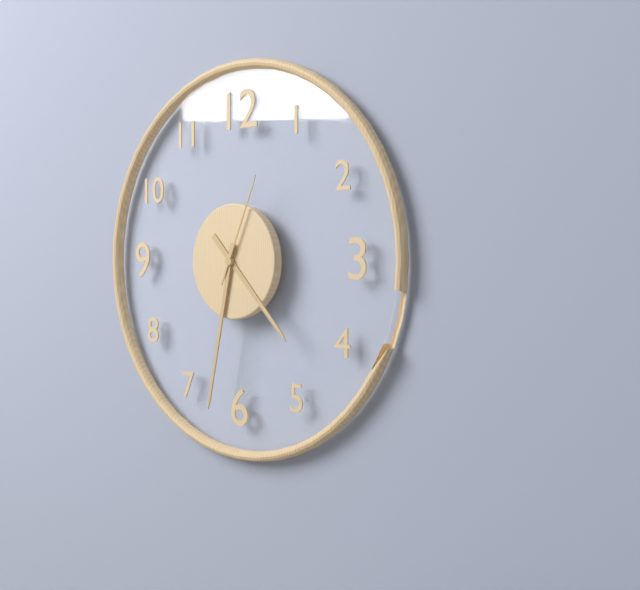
4:32:04
